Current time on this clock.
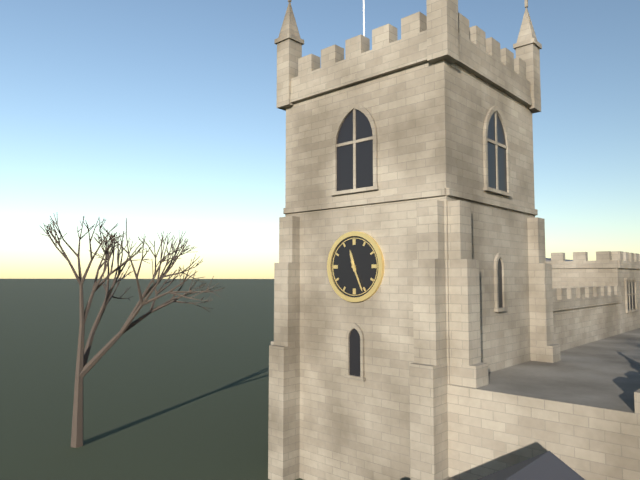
11:26
